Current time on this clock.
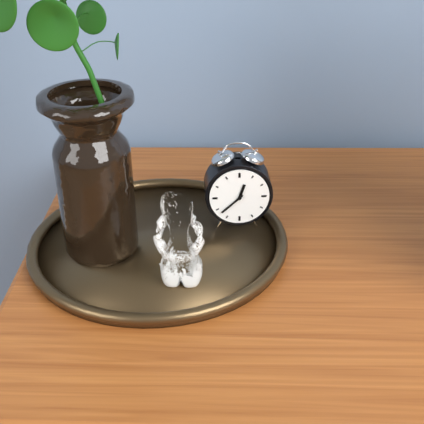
12:38
